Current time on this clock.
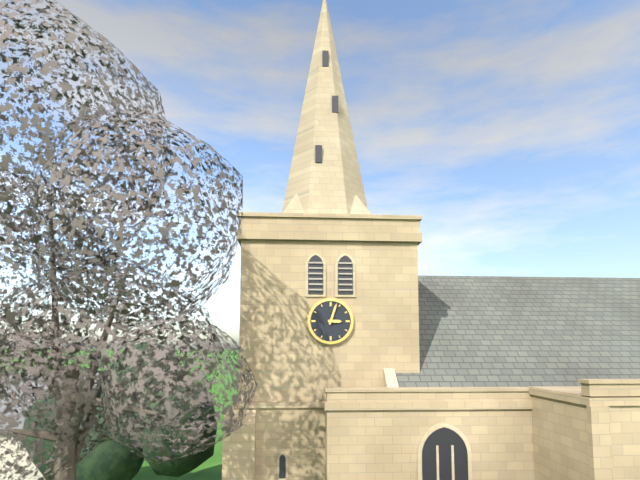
3:03
